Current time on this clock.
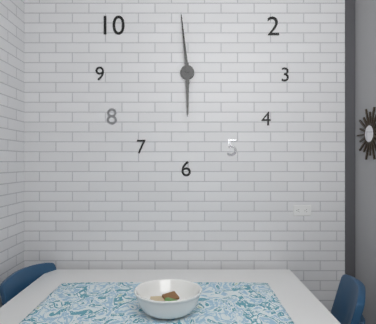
5:59
